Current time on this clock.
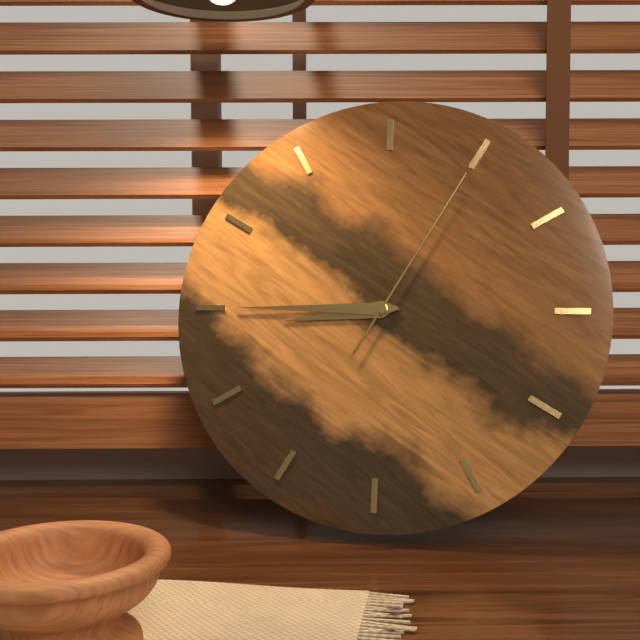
8:45:05
